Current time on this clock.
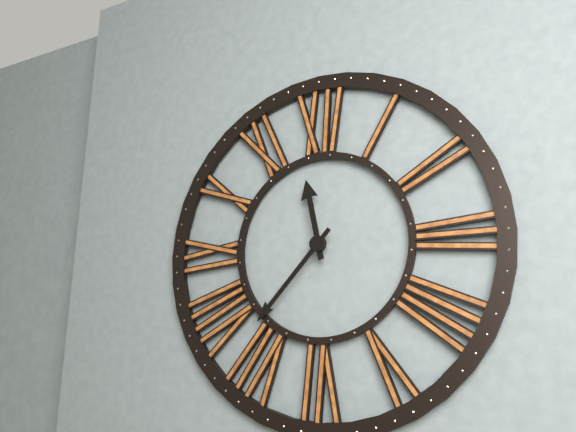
11:37
